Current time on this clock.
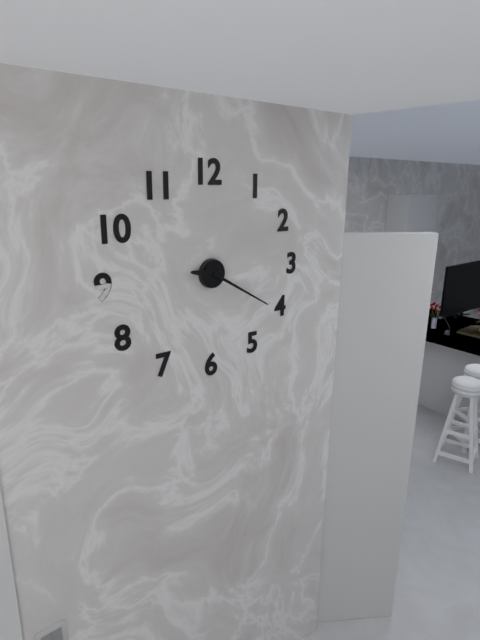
9:20
